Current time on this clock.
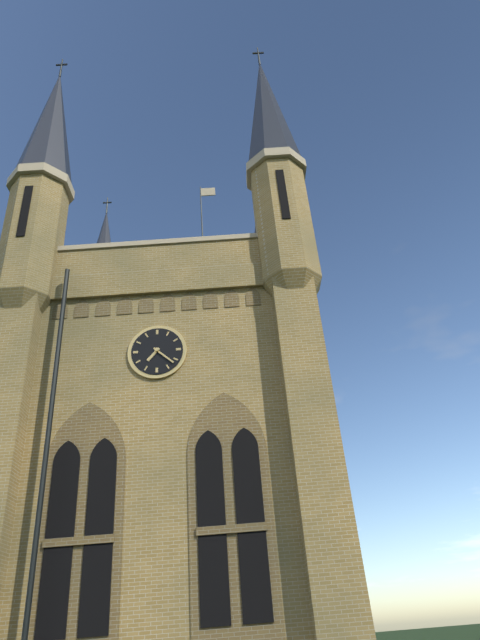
7:22
